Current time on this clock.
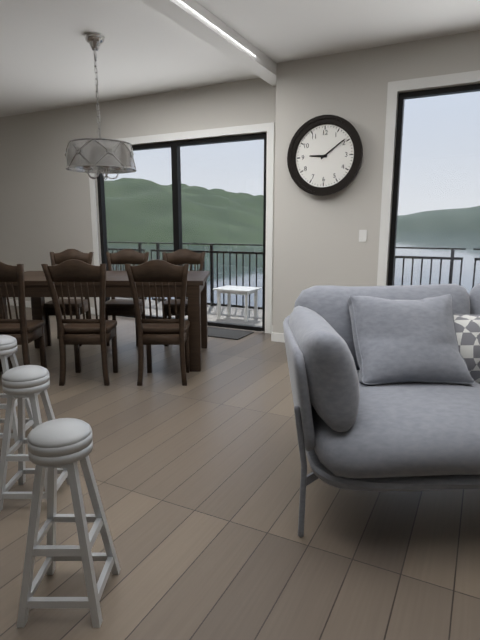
9:09
